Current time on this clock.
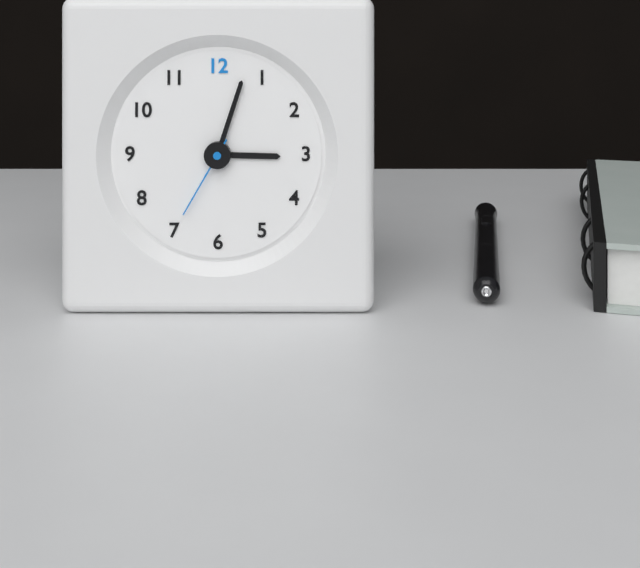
3:03:35
